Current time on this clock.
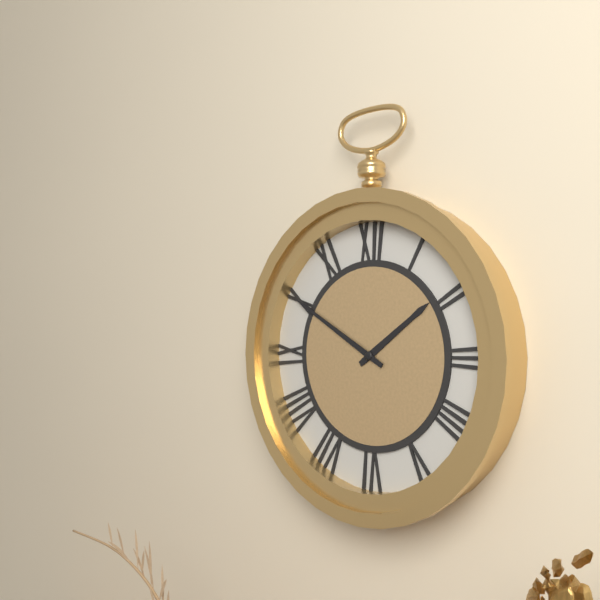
1:50
